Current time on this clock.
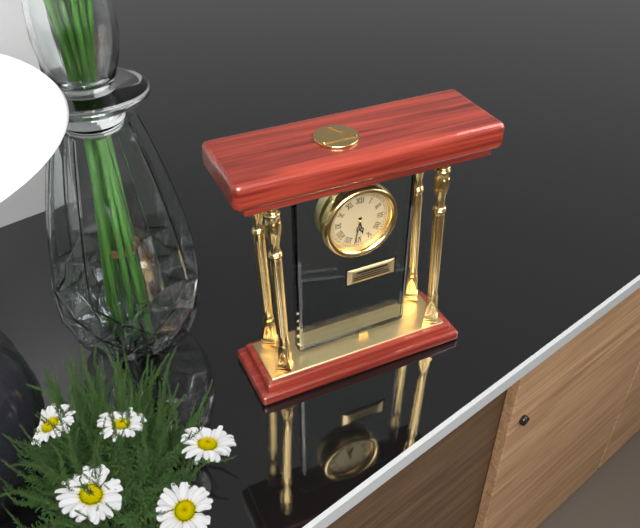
5:32
